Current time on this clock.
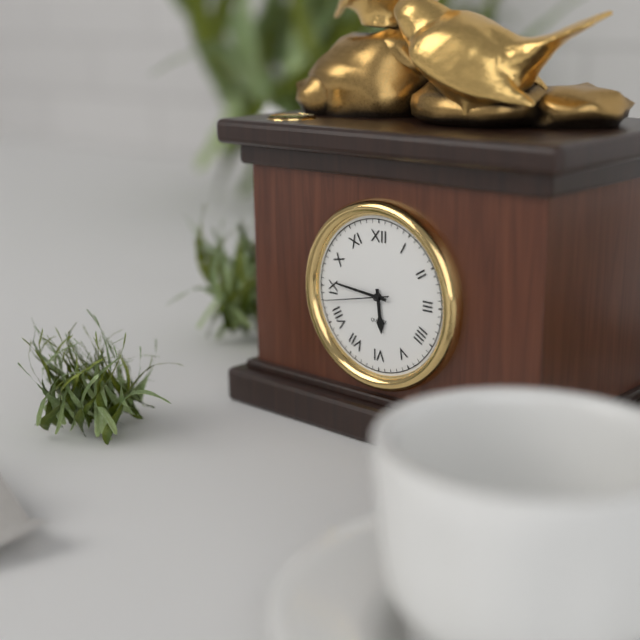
5:46:43
